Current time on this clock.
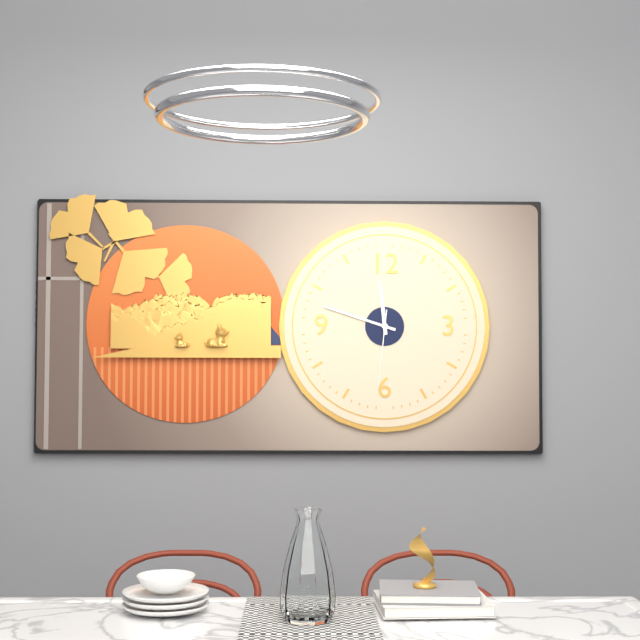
11:48:31
